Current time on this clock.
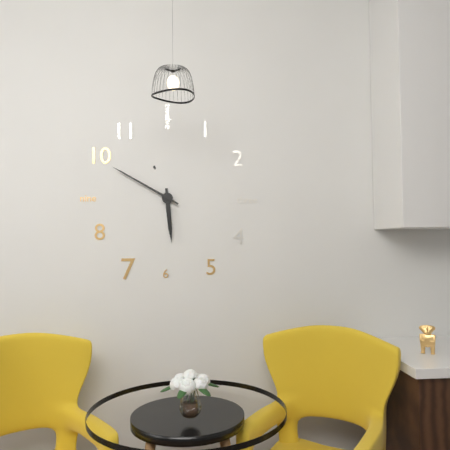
5:50
